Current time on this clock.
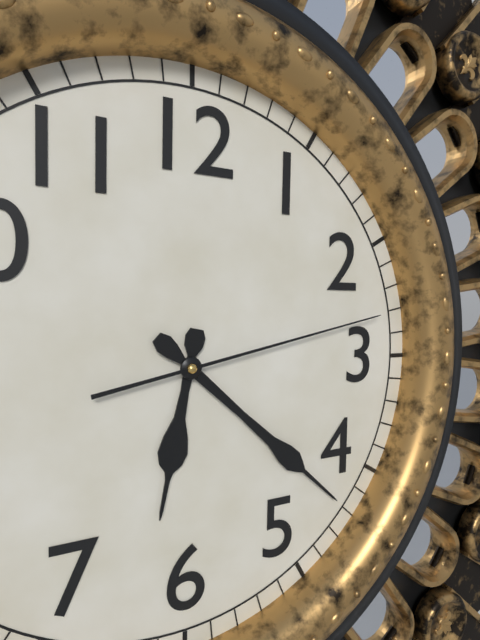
6:22:13
